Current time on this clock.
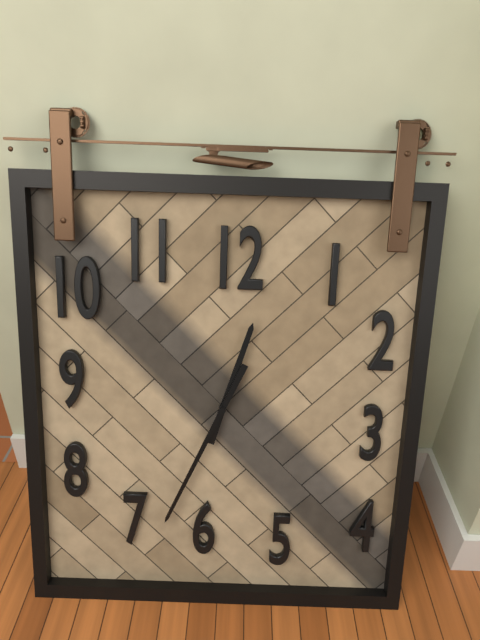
12:34
